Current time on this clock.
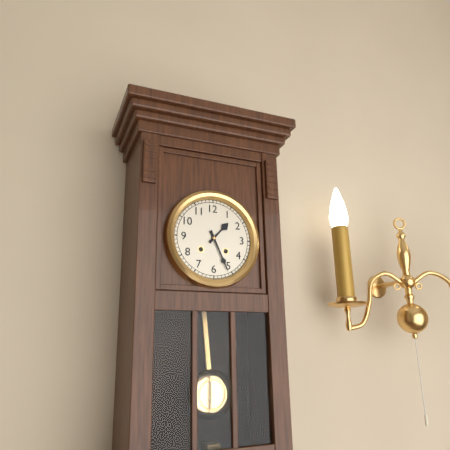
1:26
